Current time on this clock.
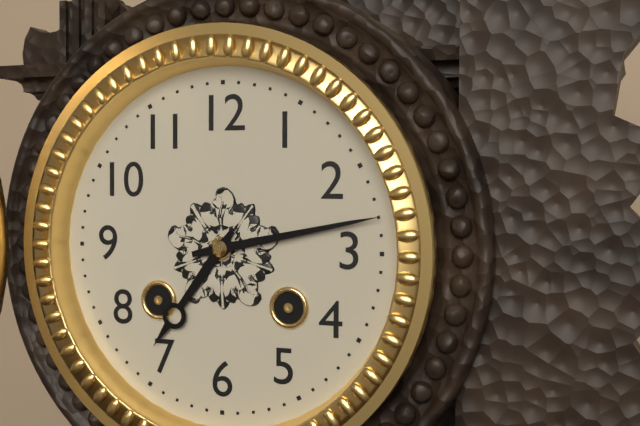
7:13
